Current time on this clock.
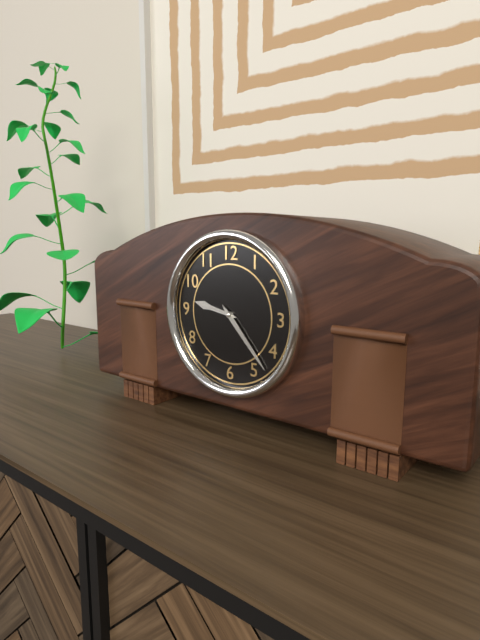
9:23
